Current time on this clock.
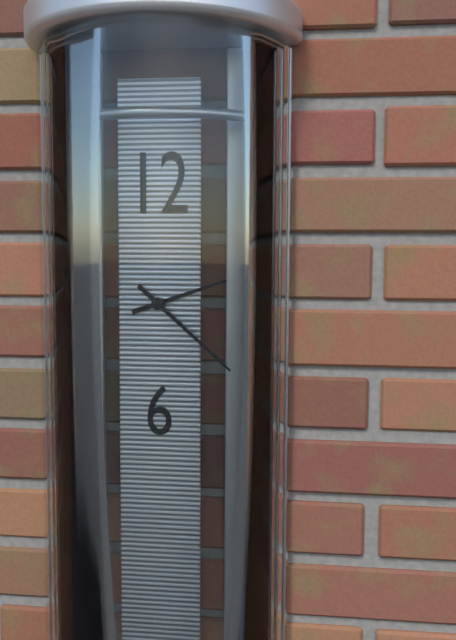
2:22
